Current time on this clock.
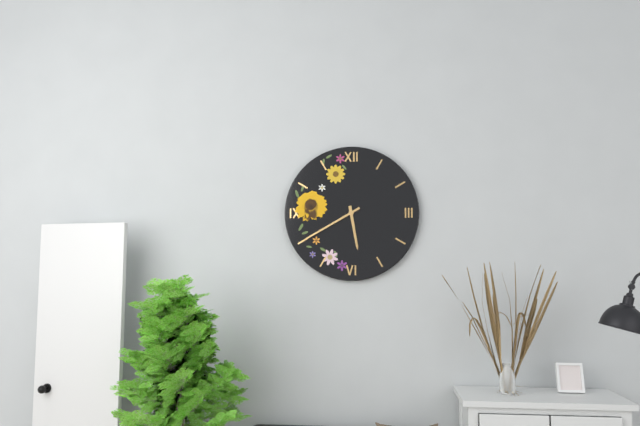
5:40
